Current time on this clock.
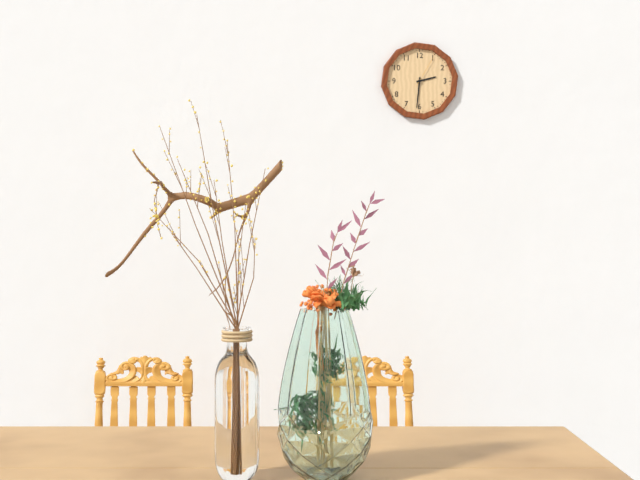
2:31
